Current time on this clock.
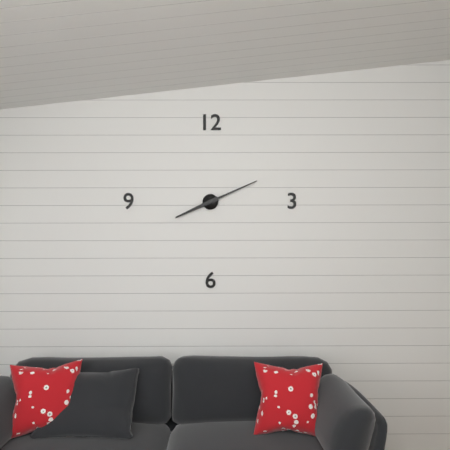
8:11
